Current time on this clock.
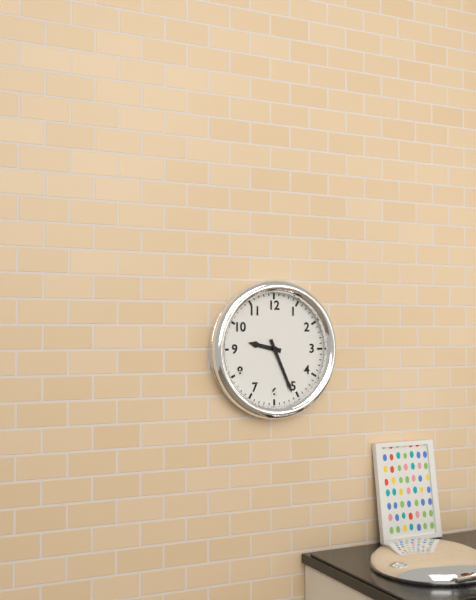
9:26
